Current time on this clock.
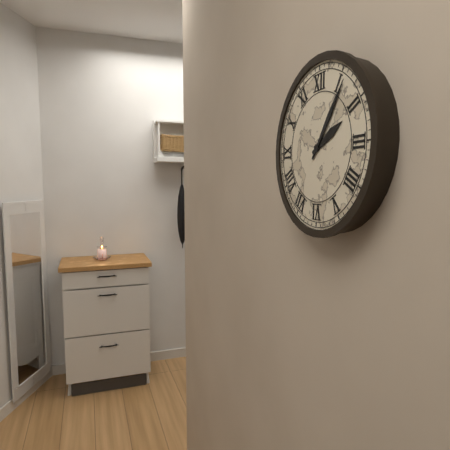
2:06
